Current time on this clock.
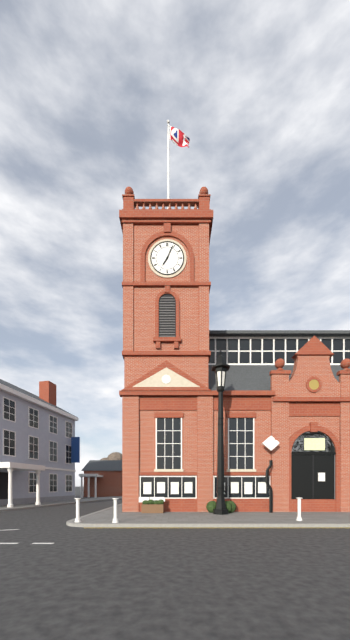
7:04
